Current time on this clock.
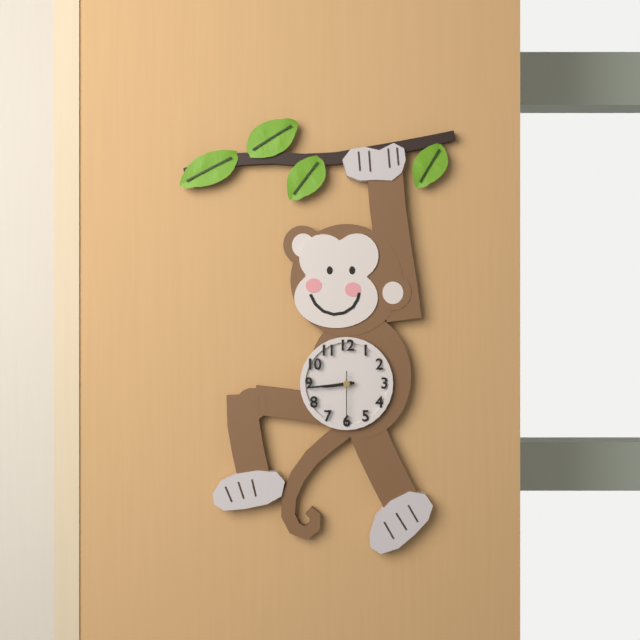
8:44:30
